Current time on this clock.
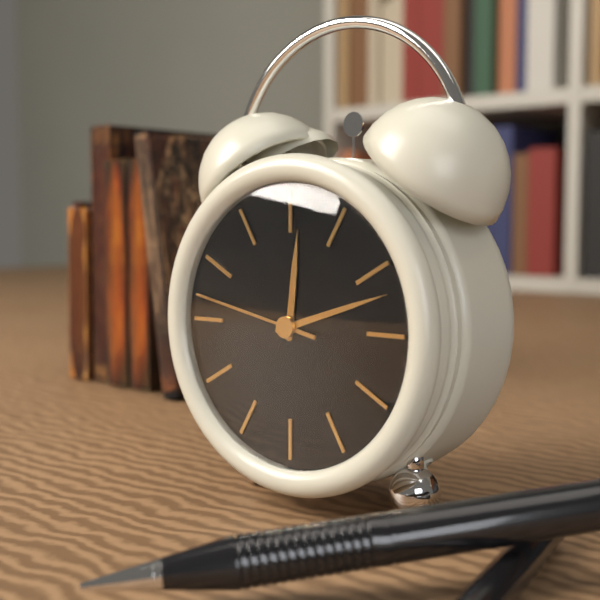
12:12:47
